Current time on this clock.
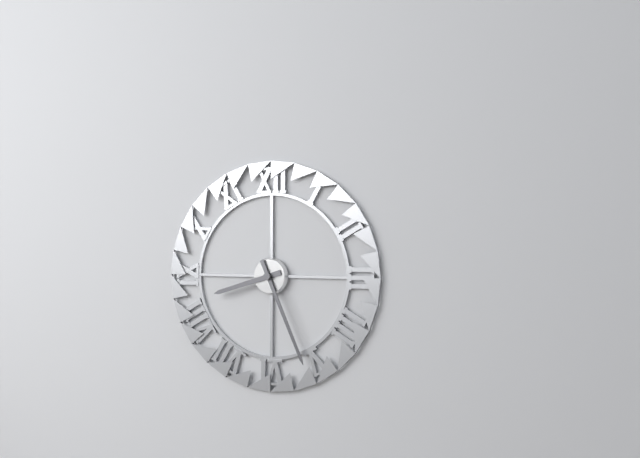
8:26
